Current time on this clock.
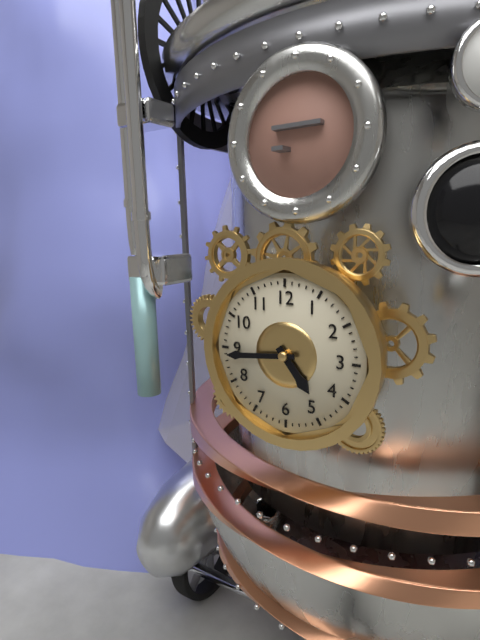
4:44
